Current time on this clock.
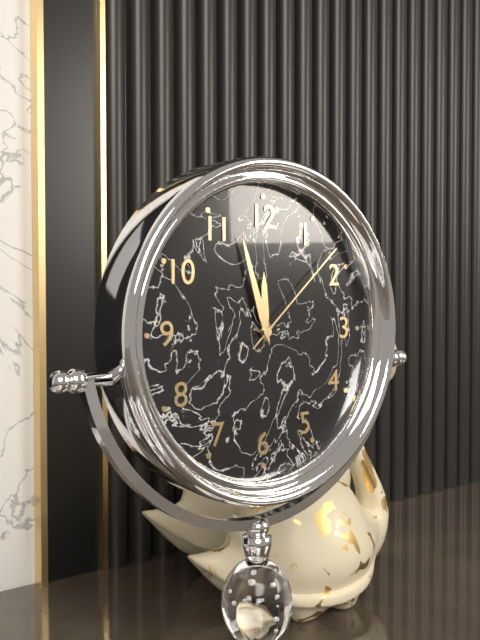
11:57:08
